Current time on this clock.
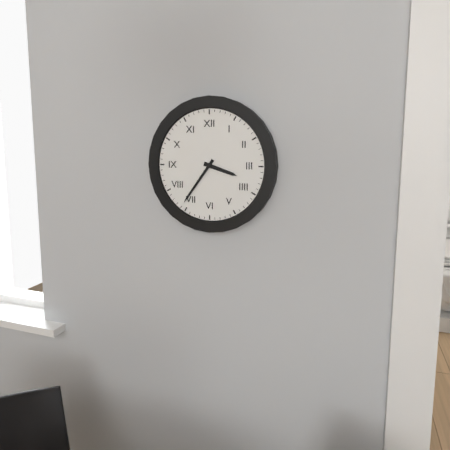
3:36
